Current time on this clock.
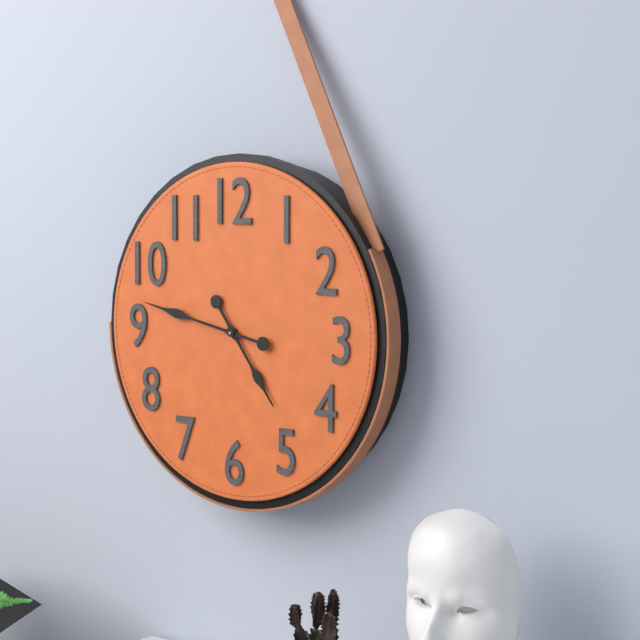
4:47
